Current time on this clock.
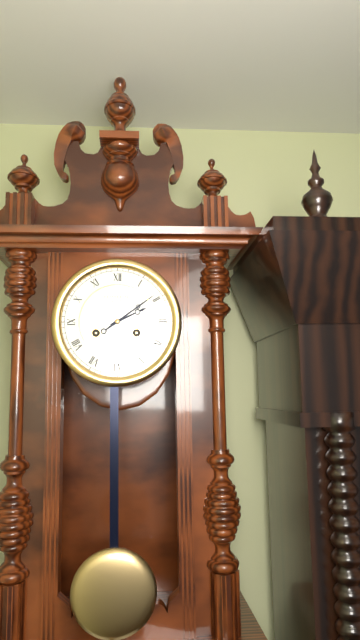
2:09
